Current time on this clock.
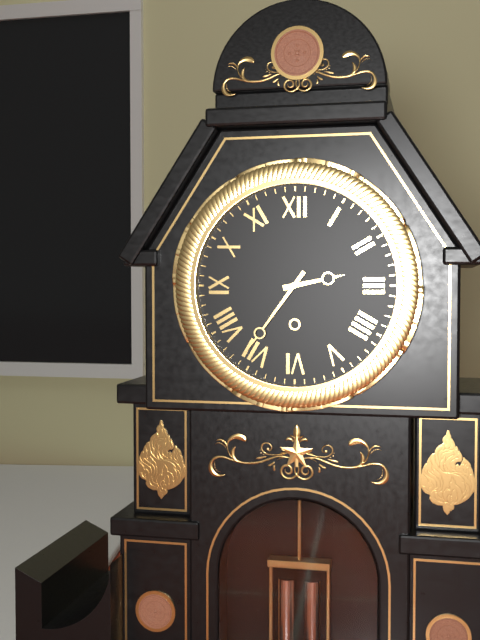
2:36
